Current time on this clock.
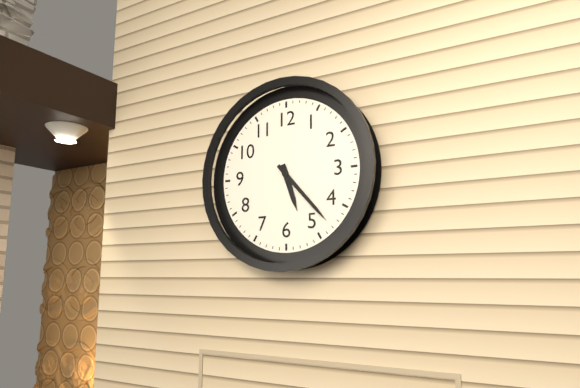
5:23
